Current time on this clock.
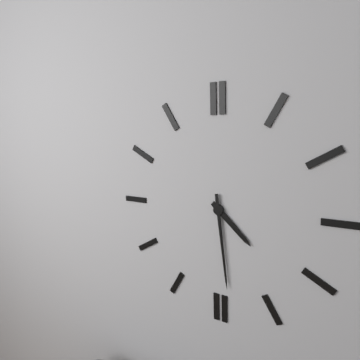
4:29
